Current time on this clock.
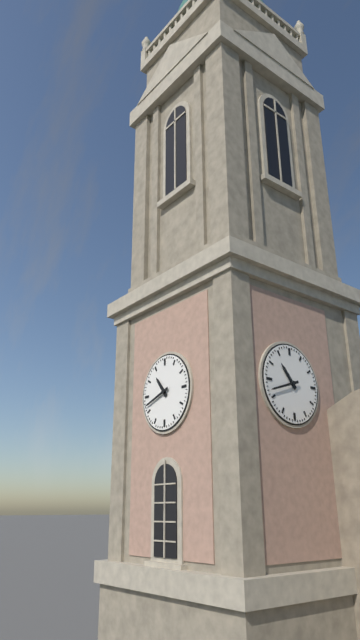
10:42
